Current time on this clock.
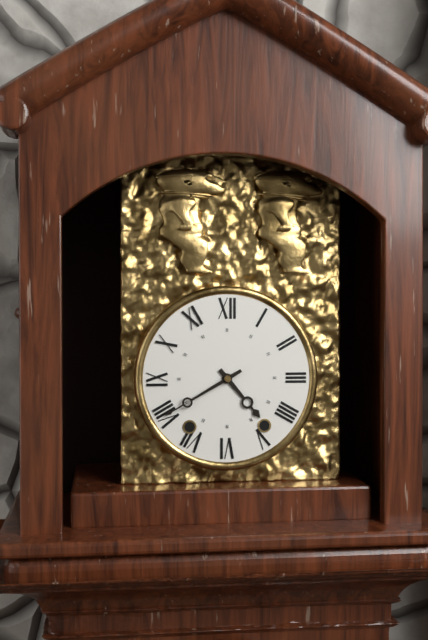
4:40
